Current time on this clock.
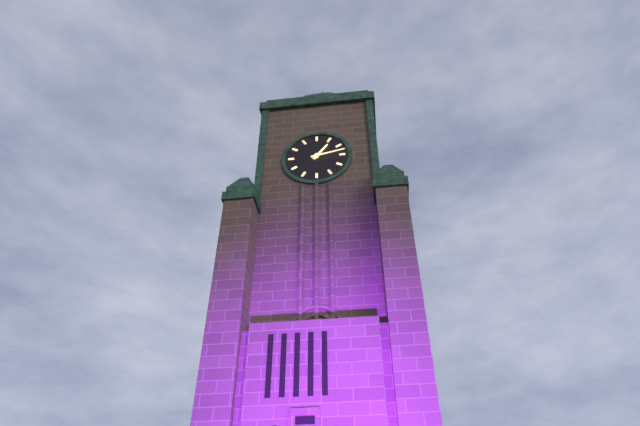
1:13
